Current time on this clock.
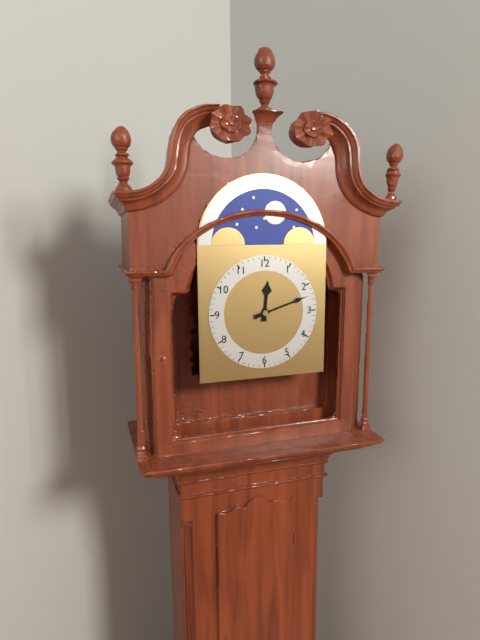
12:12
